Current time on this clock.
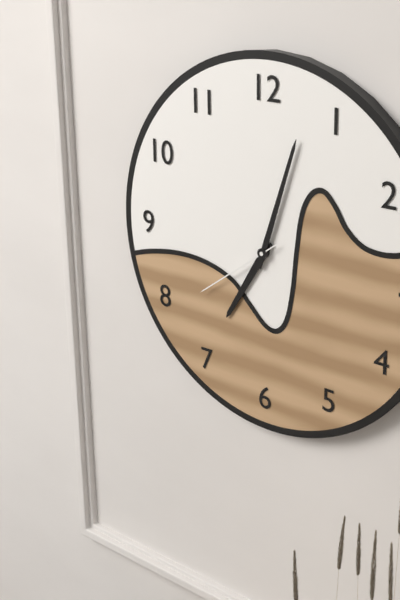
7:03:39
